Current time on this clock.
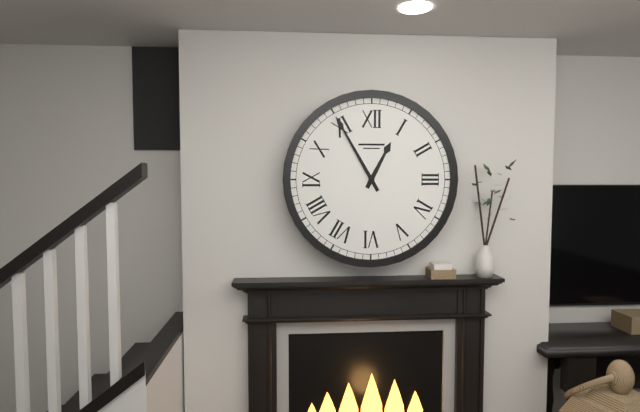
12:55
